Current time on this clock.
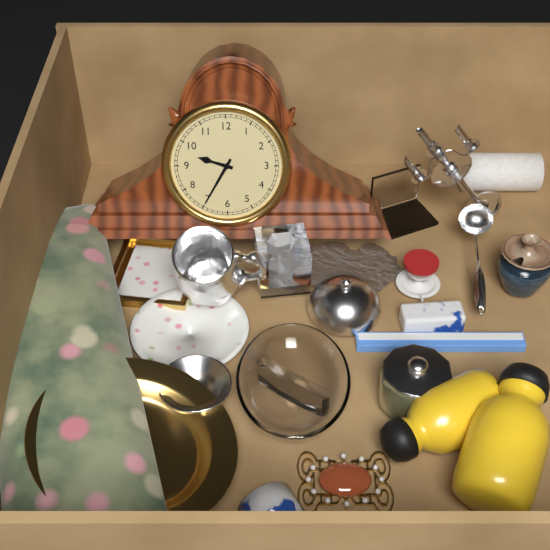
9:35
